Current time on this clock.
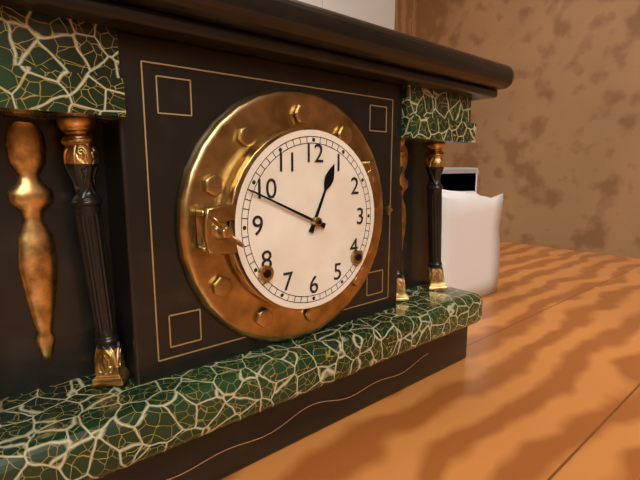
12:49
